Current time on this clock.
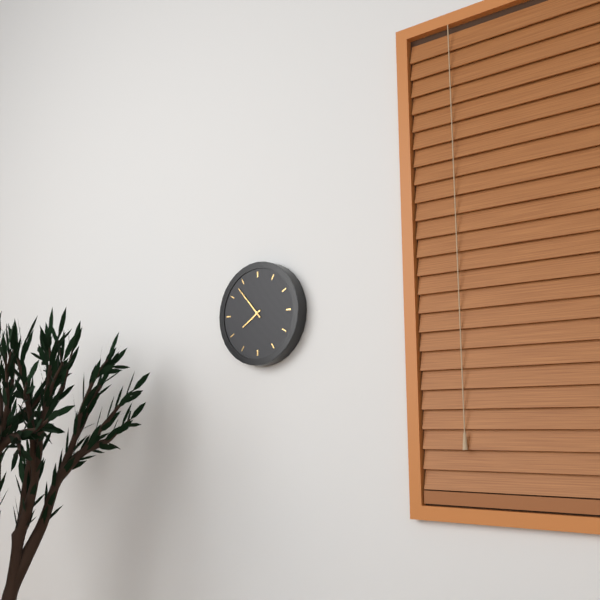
7:53
